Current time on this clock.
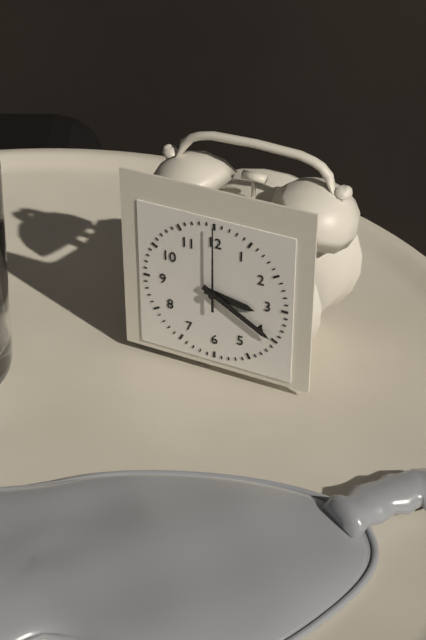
3:20:00
